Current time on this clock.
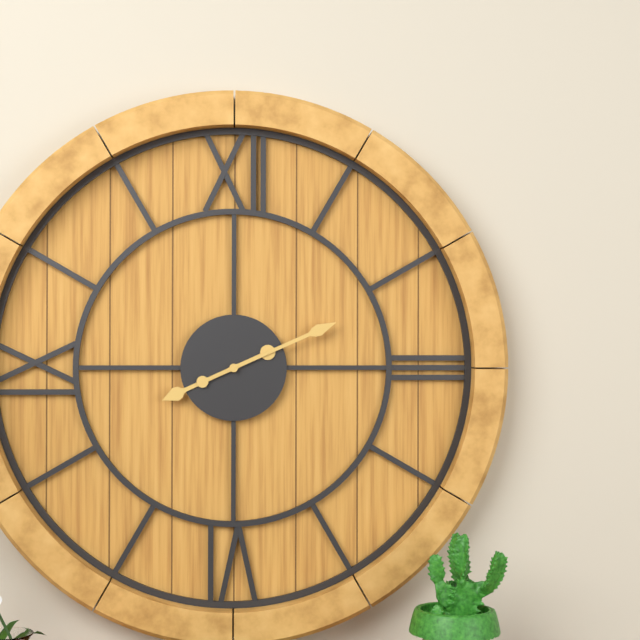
8:11
